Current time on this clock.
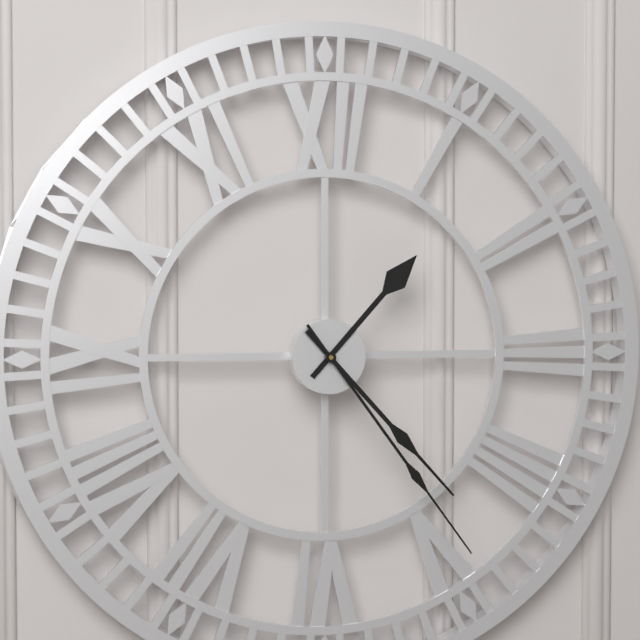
1:23:24
